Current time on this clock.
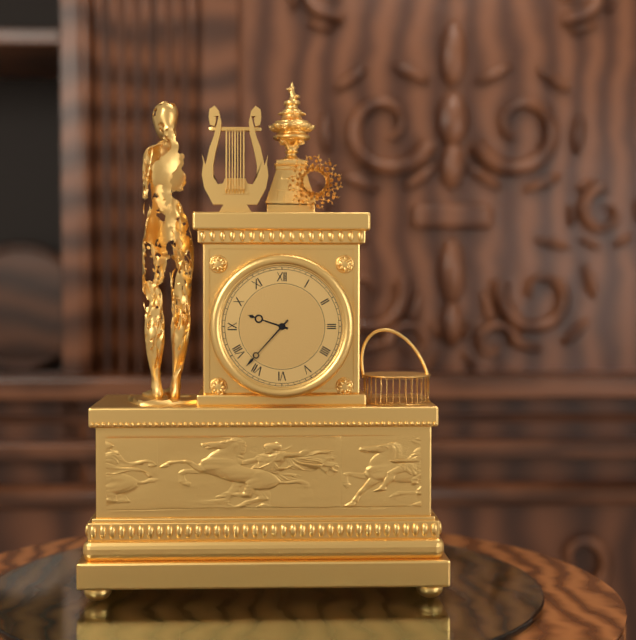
9:37
